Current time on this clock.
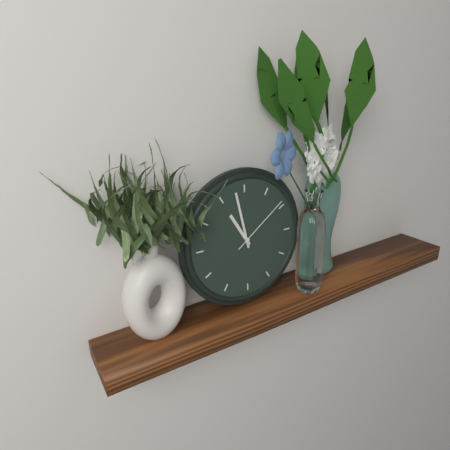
10:58:09
